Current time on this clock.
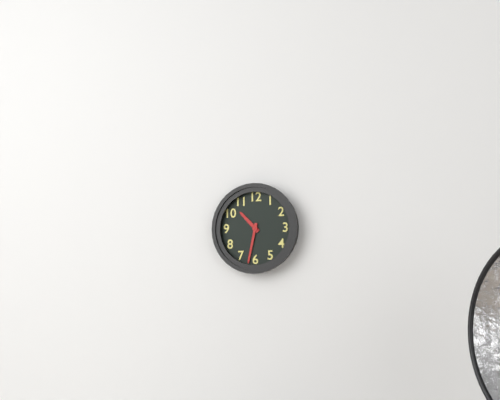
10:32
